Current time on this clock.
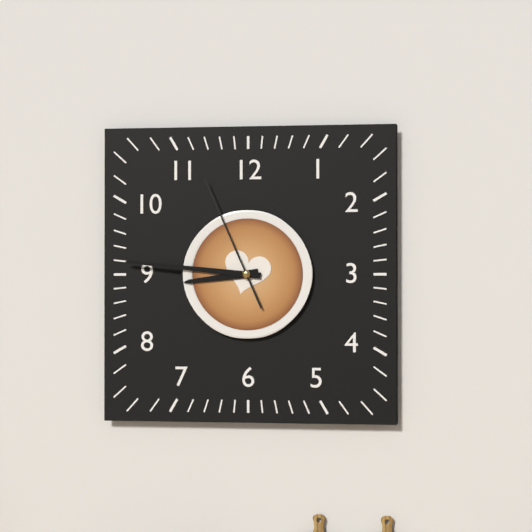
8:46:56
